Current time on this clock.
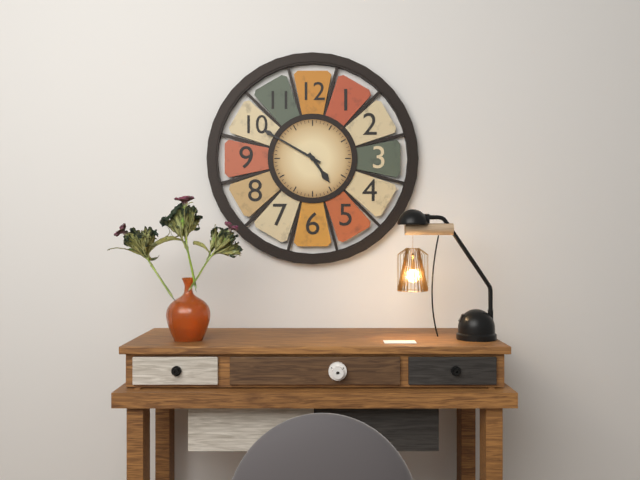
4:50
